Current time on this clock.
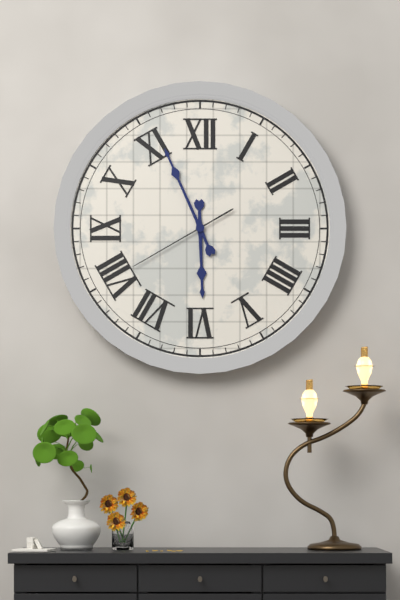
5:56:40
